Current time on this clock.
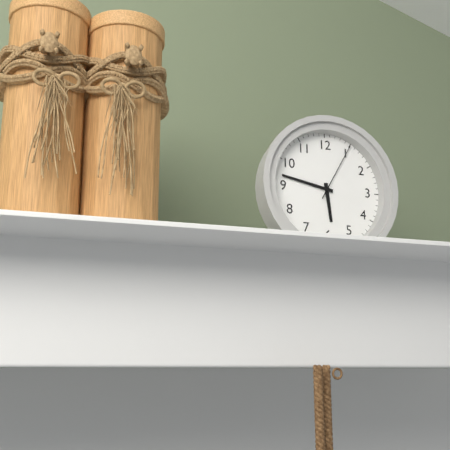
5:47:05
